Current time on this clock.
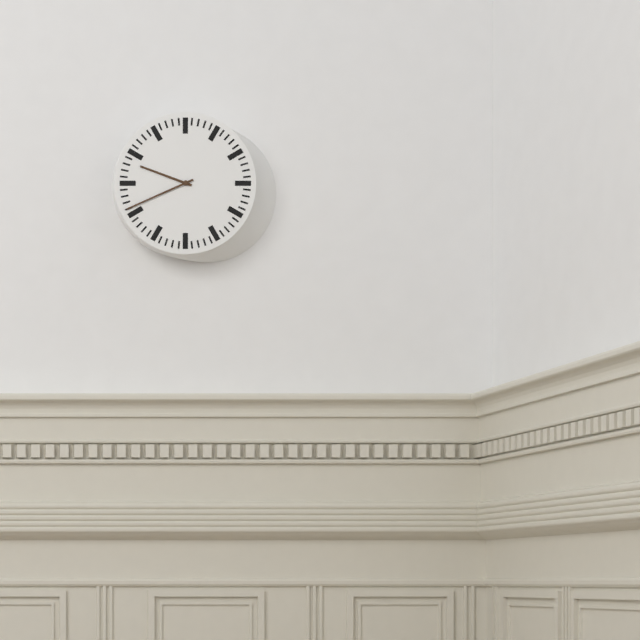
9:41
